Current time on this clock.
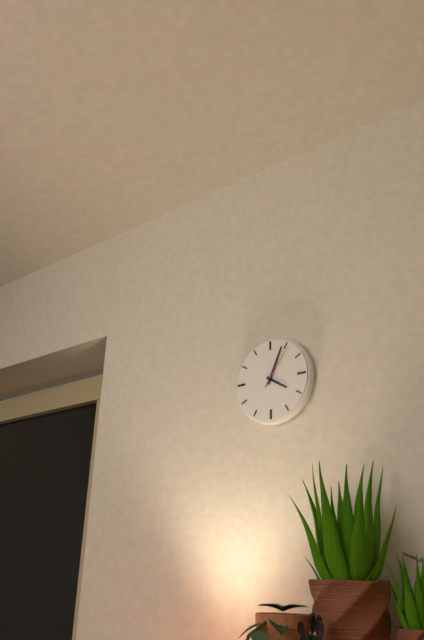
4:04
